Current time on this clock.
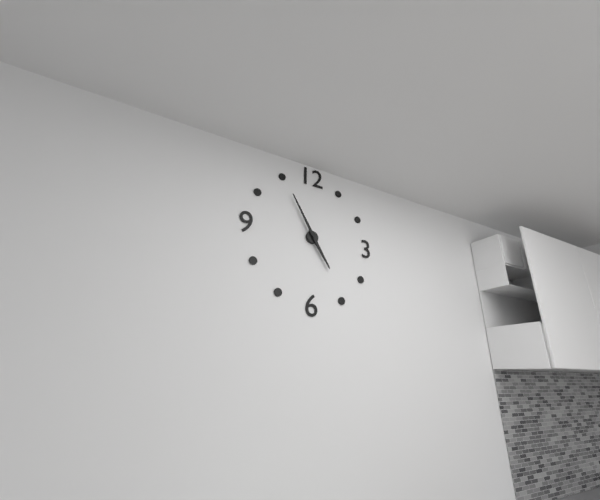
4:55
